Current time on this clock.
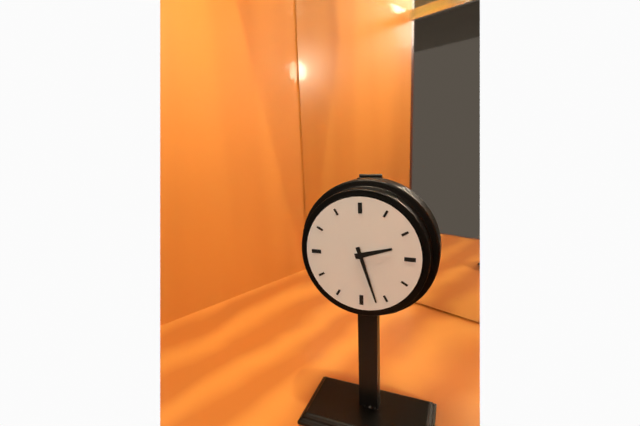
2:27
